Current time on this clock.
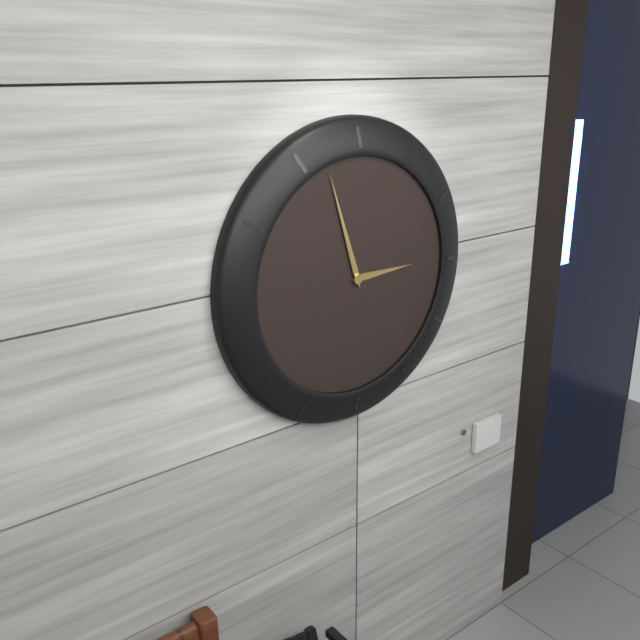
2:57
